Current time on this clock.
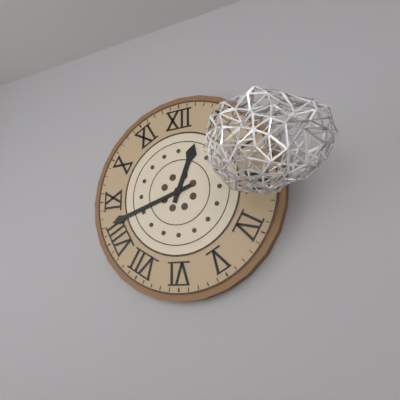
12:42
